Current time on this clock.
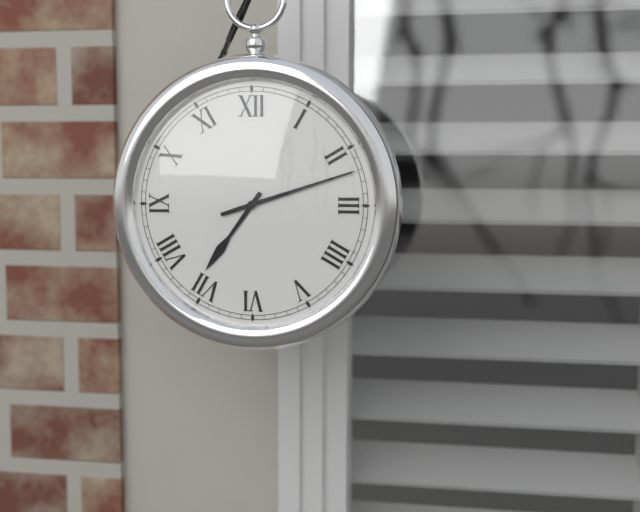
7:12
